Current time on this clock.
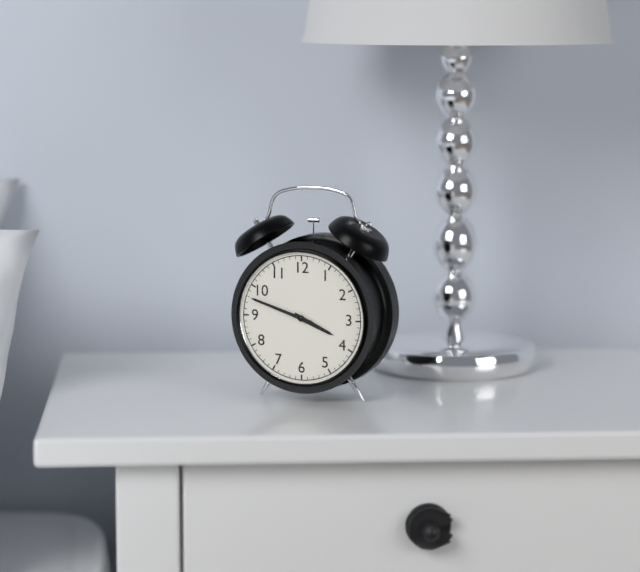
3:48
